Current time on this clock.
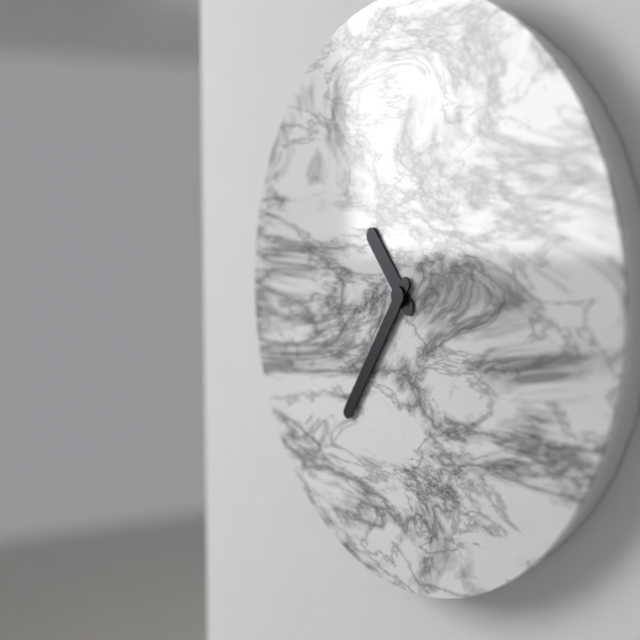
10:36
